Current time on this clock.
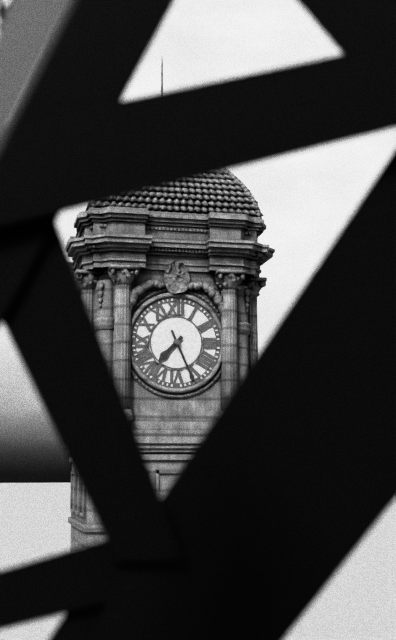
7:26
